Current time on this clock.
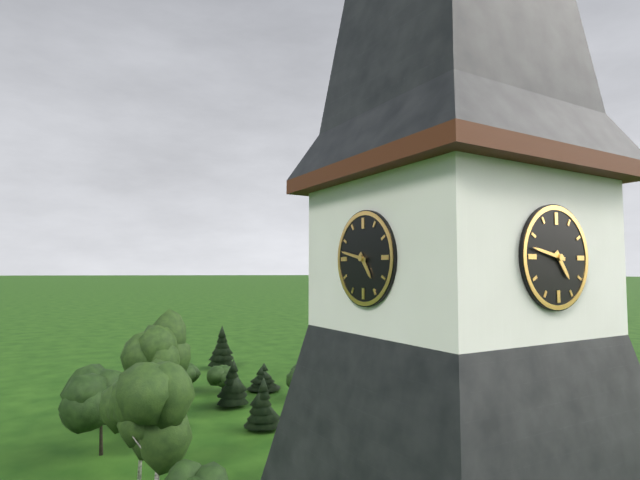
4:47
